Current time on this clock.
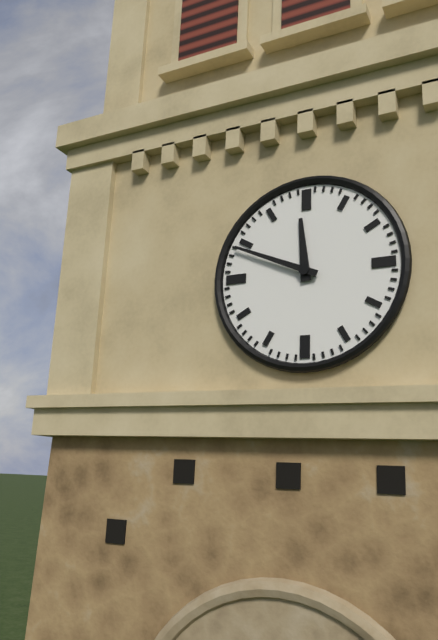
11:49
